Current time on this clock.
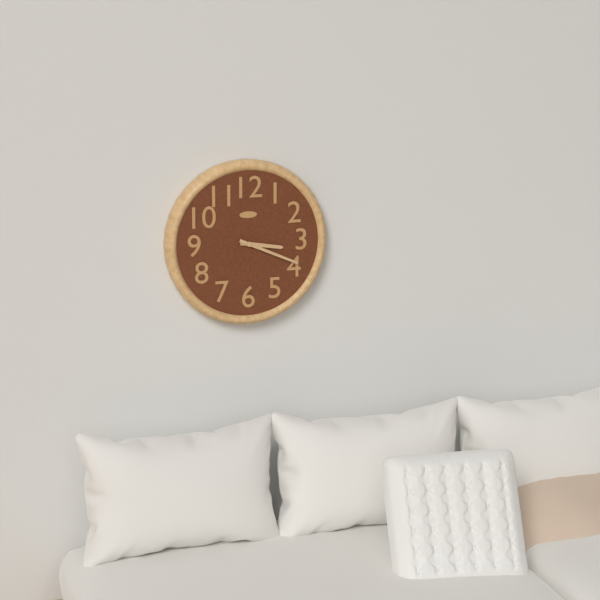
3:19
